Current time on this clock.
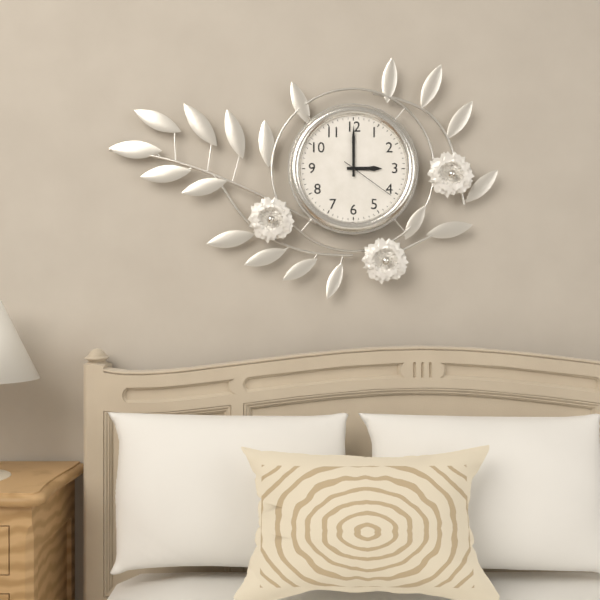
3:00:21
